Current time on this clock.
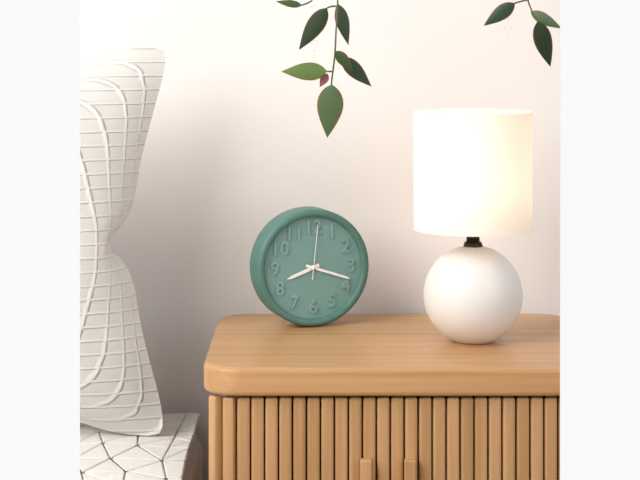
8:18:01
